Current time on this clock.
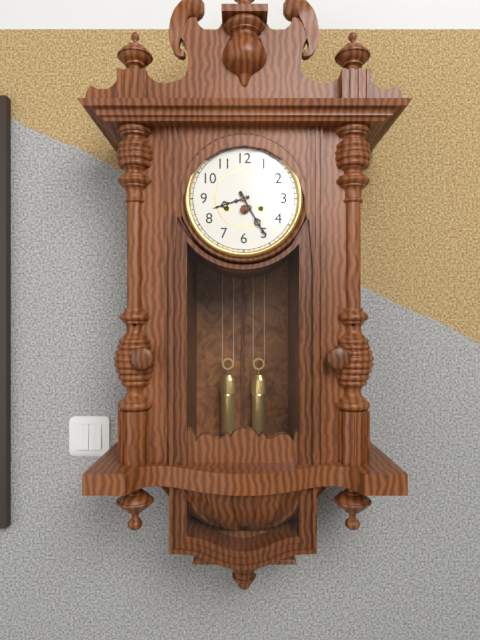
8:25
